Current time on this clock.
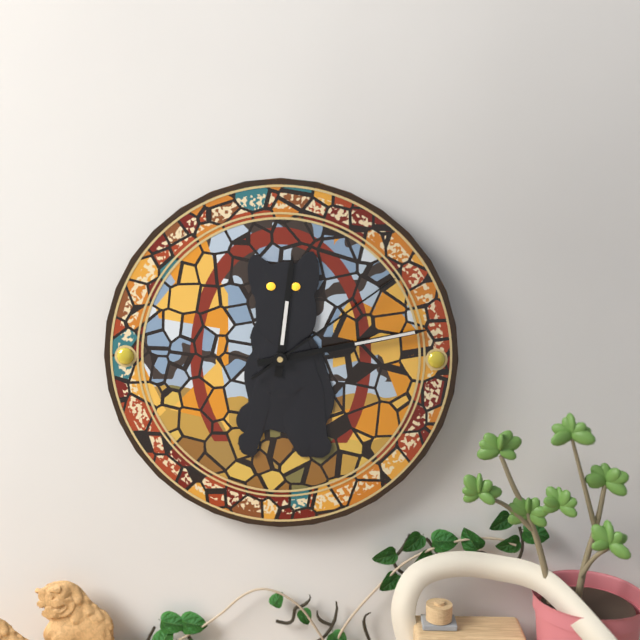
12:13:09
